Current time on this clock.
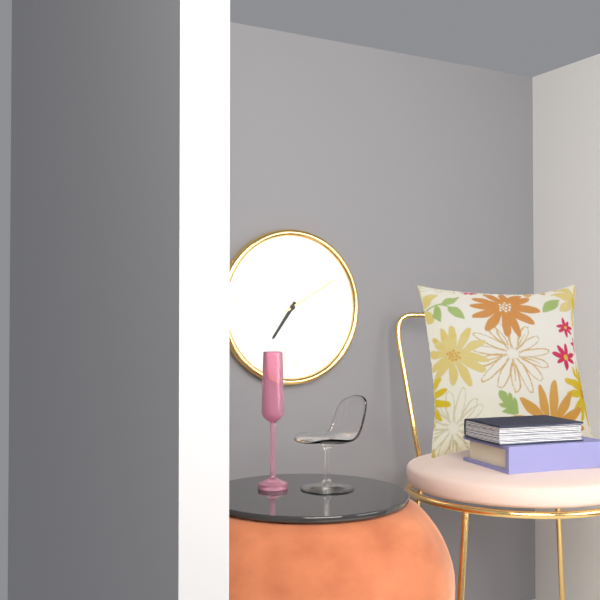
7:10
